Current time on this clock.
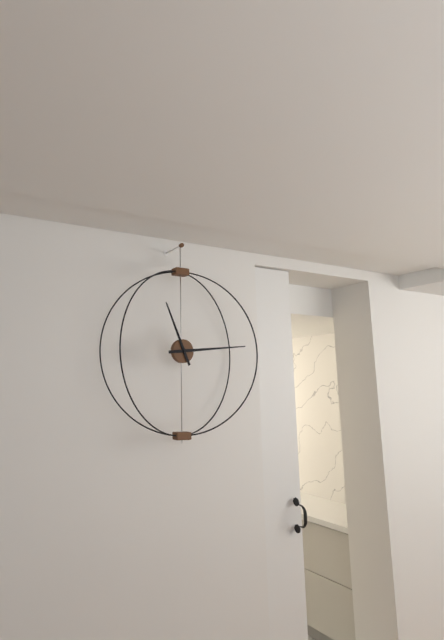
11:14
